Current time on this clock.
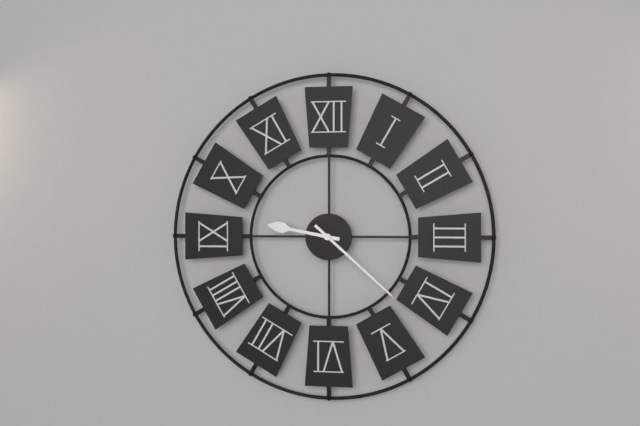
9:22
